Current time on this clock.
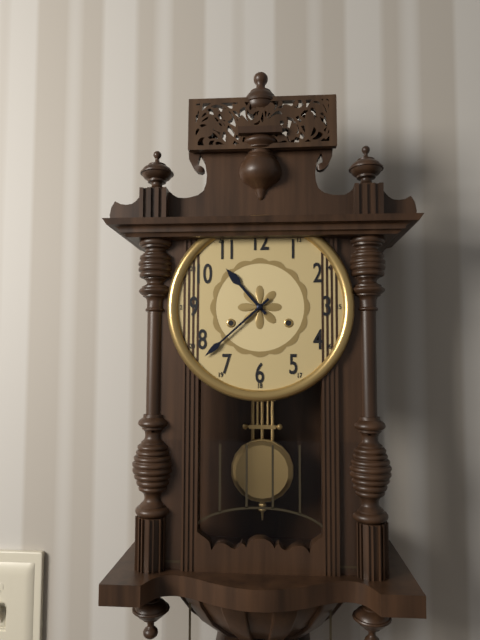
10:38
